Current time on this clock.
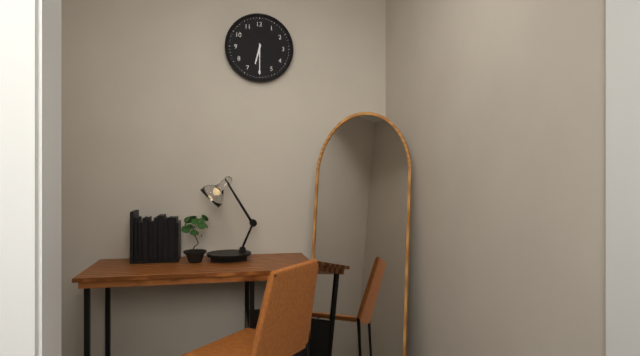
6:30
